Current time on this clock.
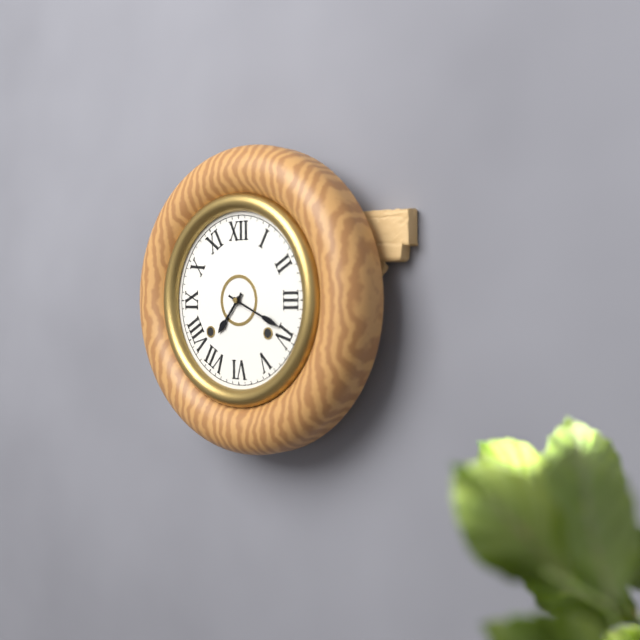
7:19
